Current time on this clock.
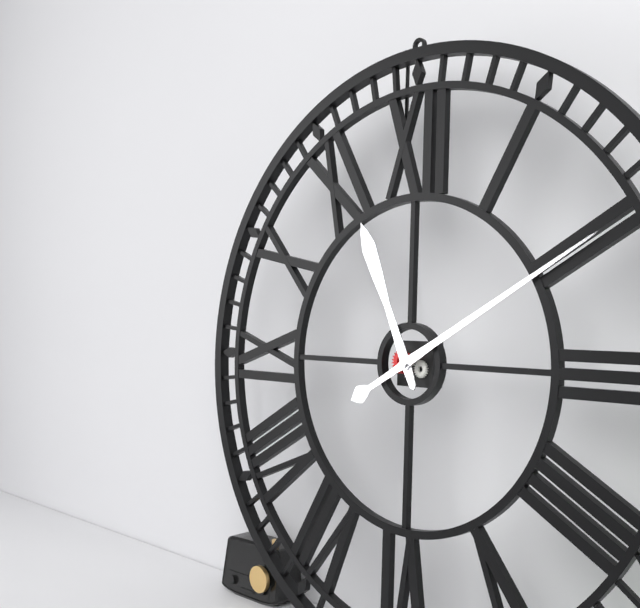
11:10
